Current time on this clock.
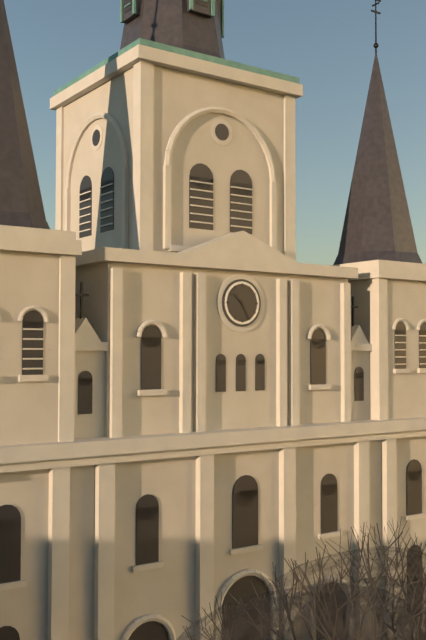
10:25
